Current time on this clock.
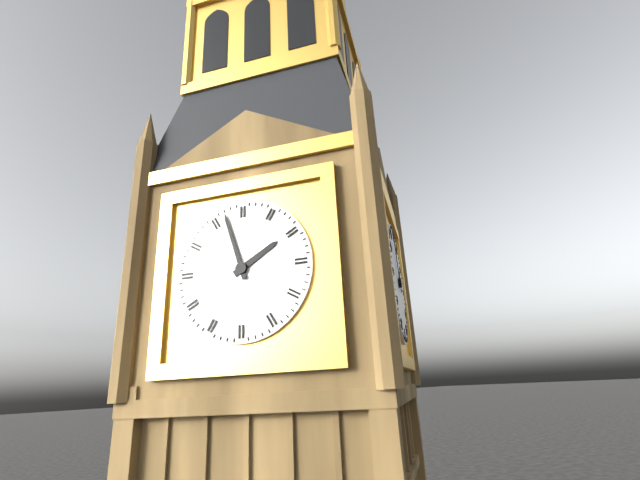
1:57
